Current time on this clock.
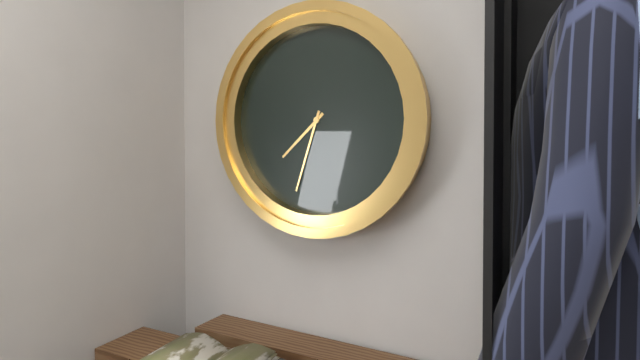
7:33
